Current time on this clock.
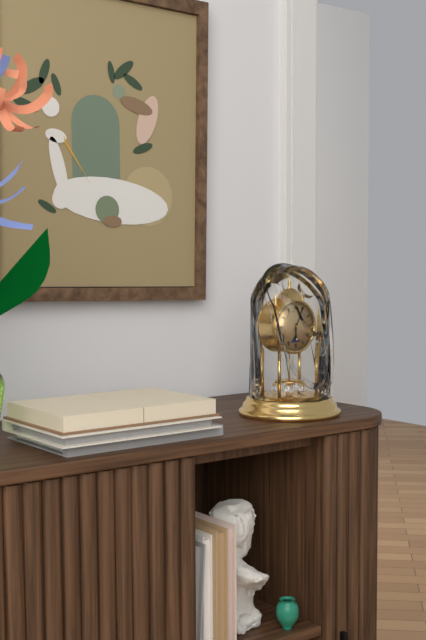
6:04
